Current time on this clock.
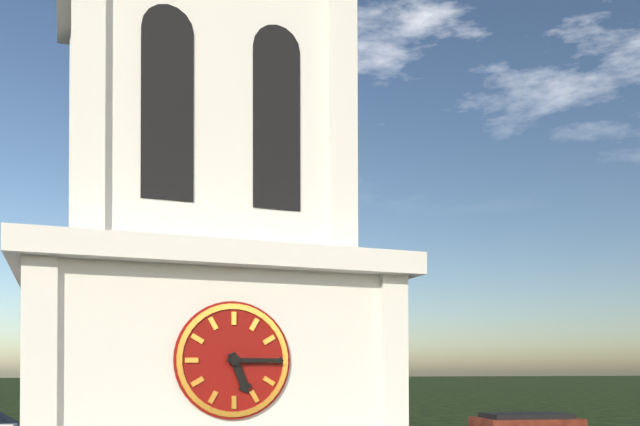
5:15
